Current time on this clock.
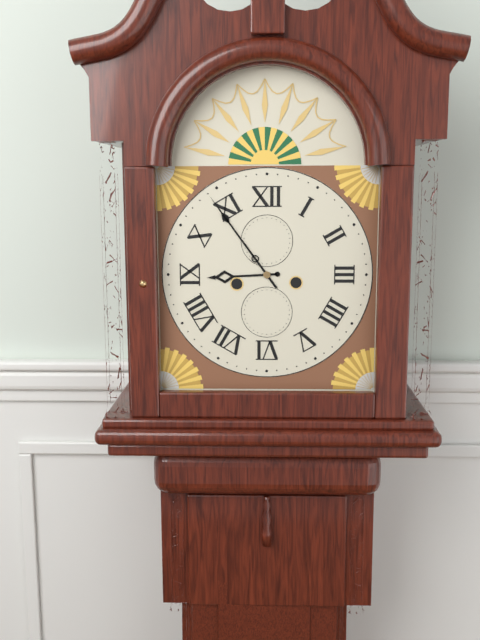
8:54
